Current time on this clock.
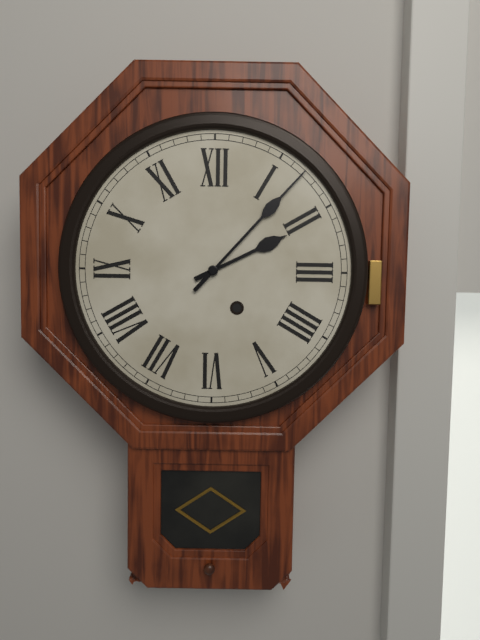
2:07
